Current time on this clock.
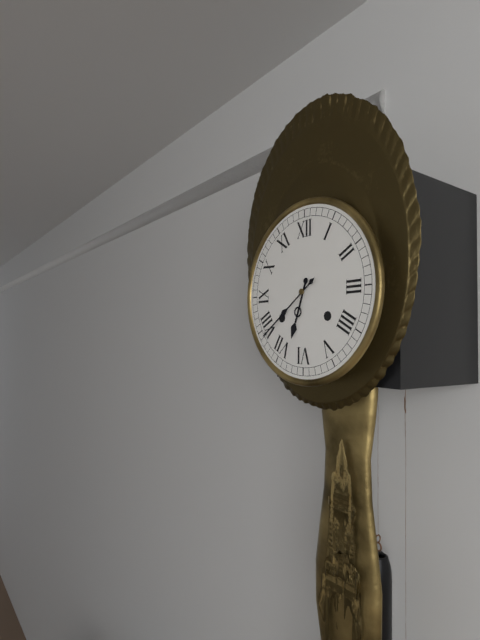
6:39
